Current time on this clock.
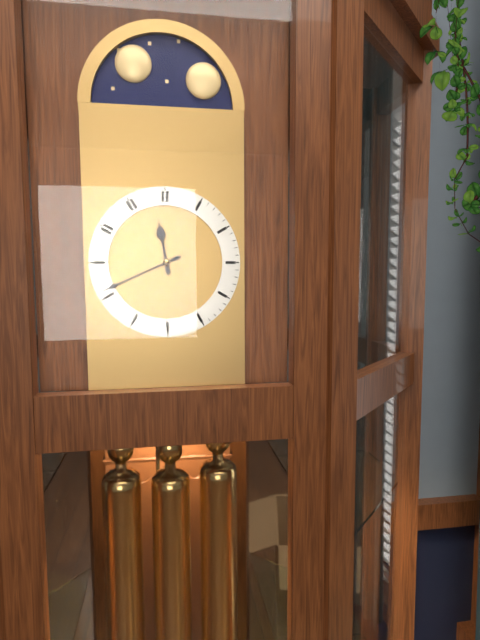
11:41
